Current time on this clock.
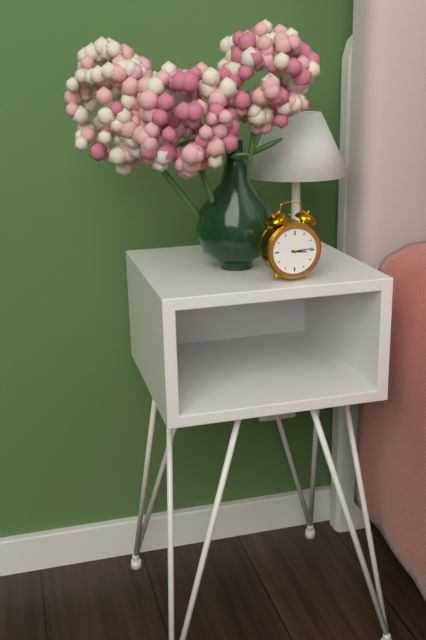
3:14
